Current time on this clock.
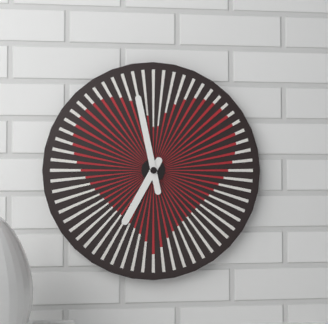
6:58
